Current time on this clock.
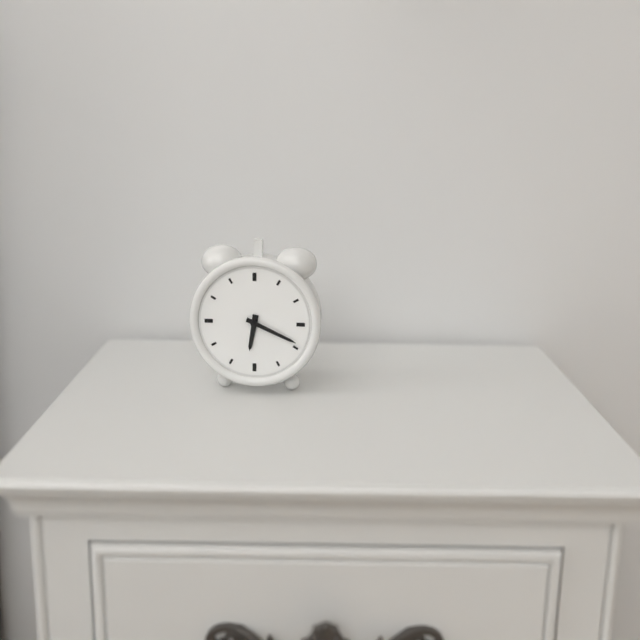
6:19
